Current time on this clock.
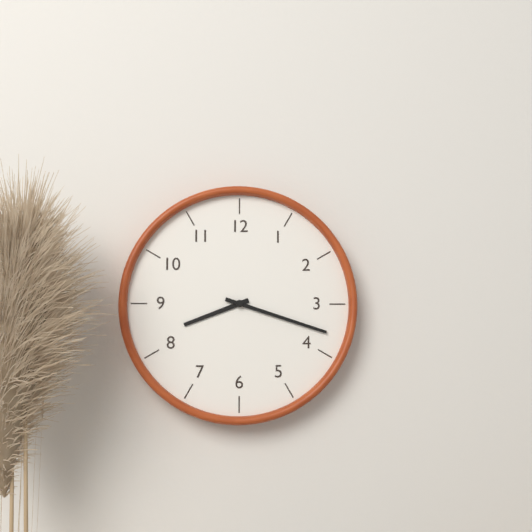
8:18
